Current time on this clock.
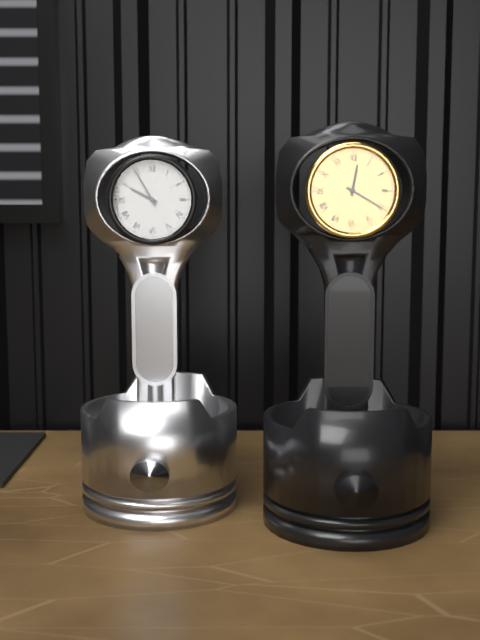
9:55
